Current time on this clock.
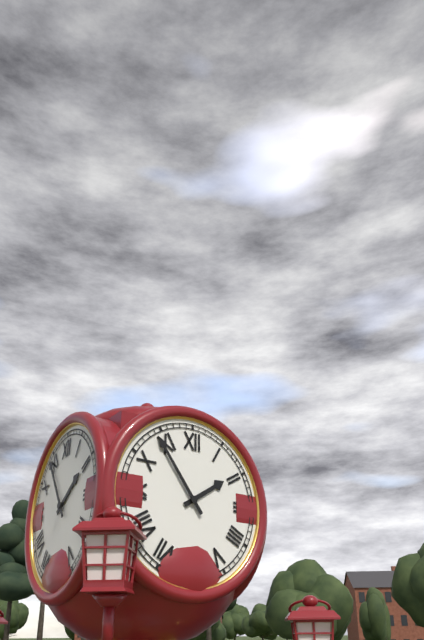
1:54
